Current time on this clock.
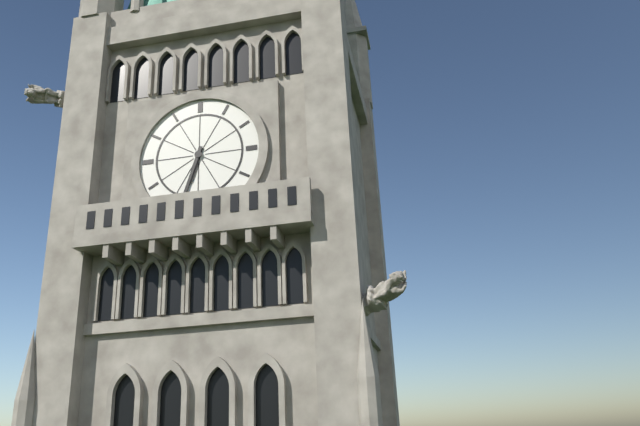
6:33
